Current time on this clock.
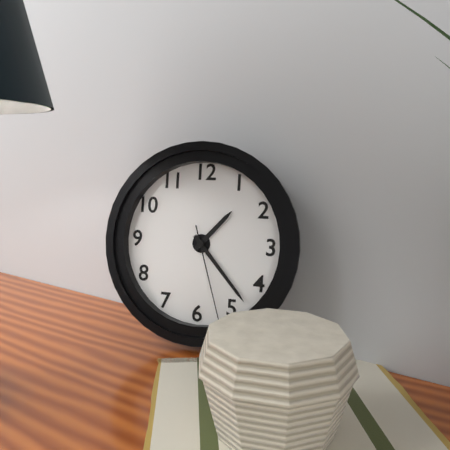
1:23:27
